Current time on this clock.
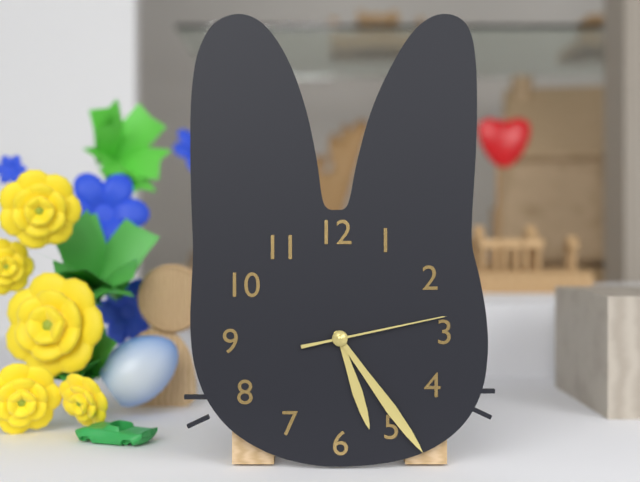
5:24:13
